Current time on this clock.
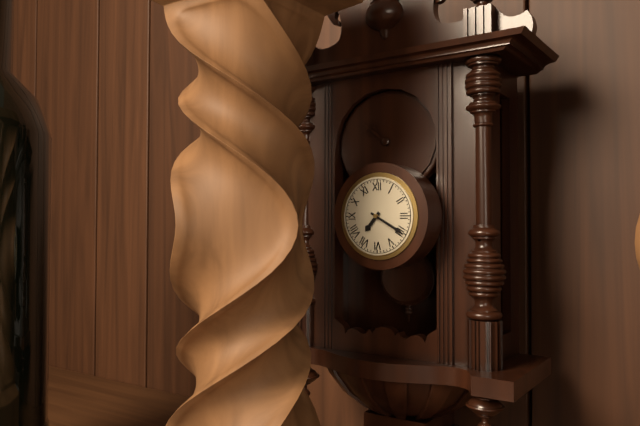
7:20
